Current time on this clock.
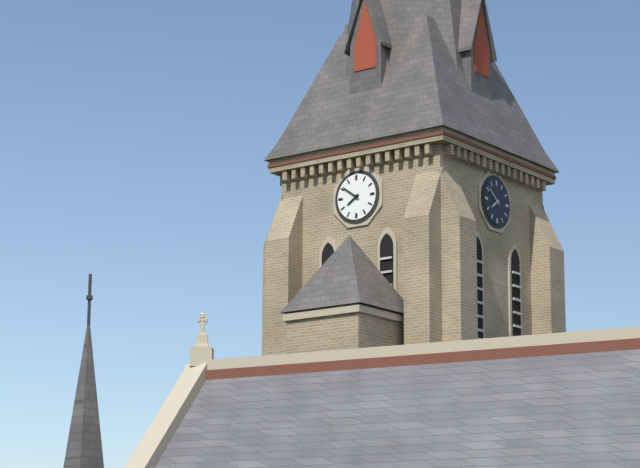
7:51
